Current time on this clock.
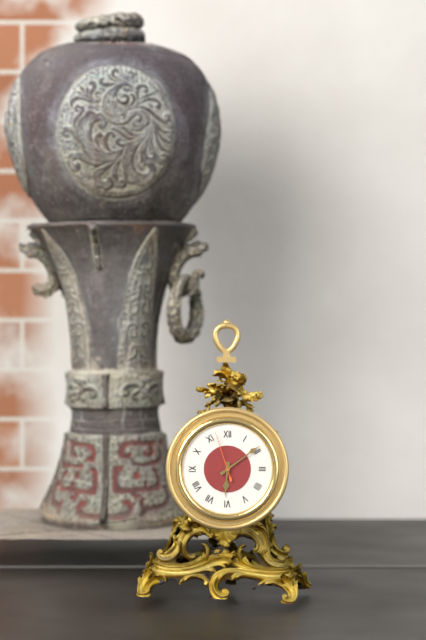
6:09:57
